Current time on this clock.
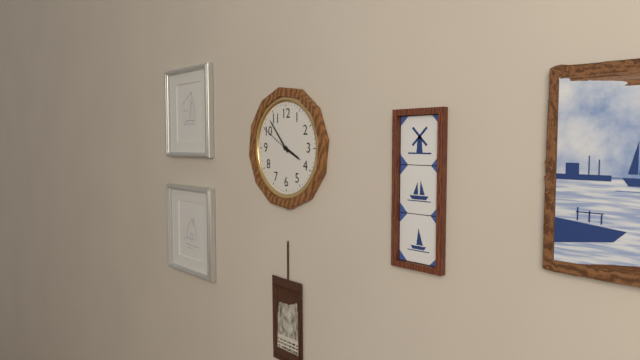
3:53
